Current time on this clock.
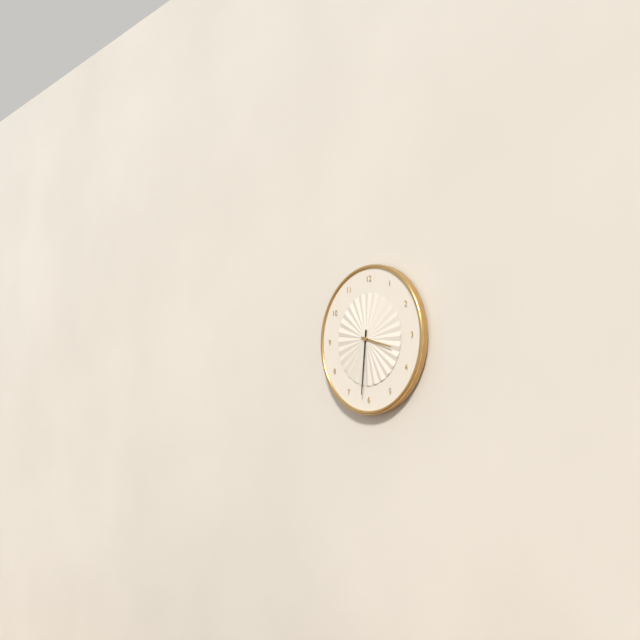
3:31
